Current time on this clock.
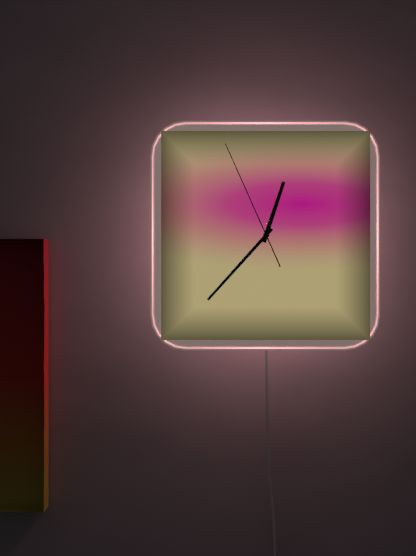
12:37:56
